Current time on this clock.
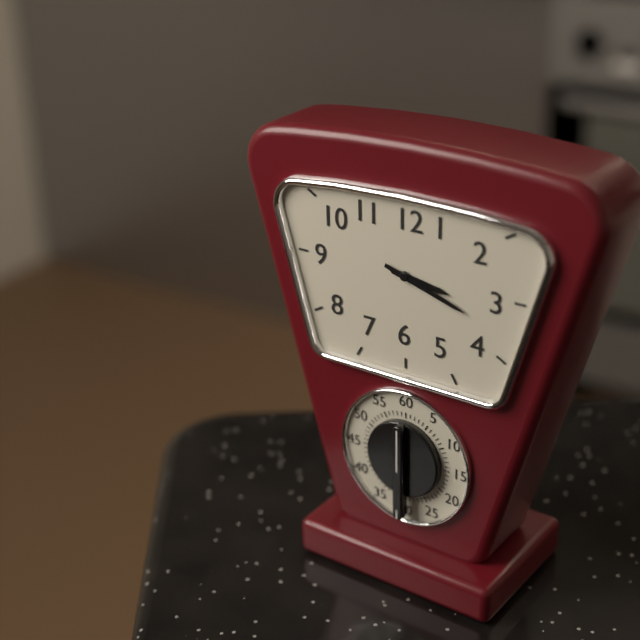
3:18
